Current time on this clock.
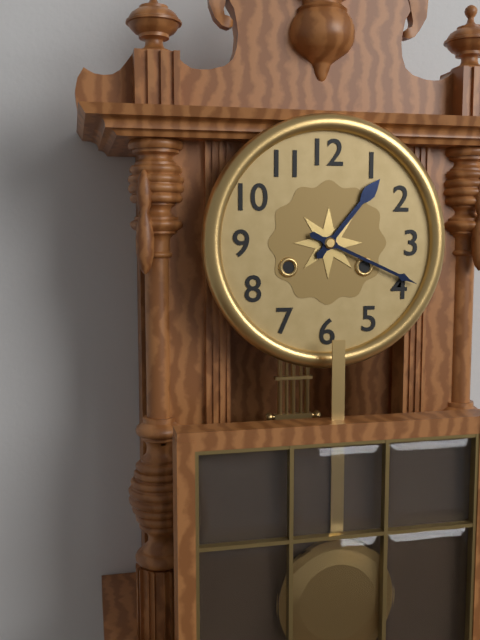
1:19
